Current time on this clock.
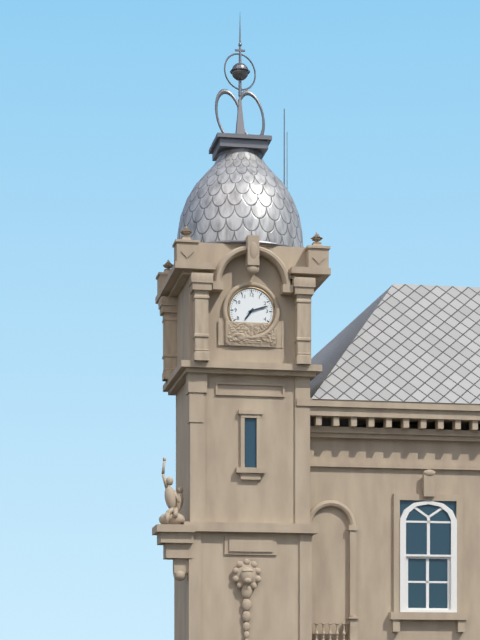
7:12
